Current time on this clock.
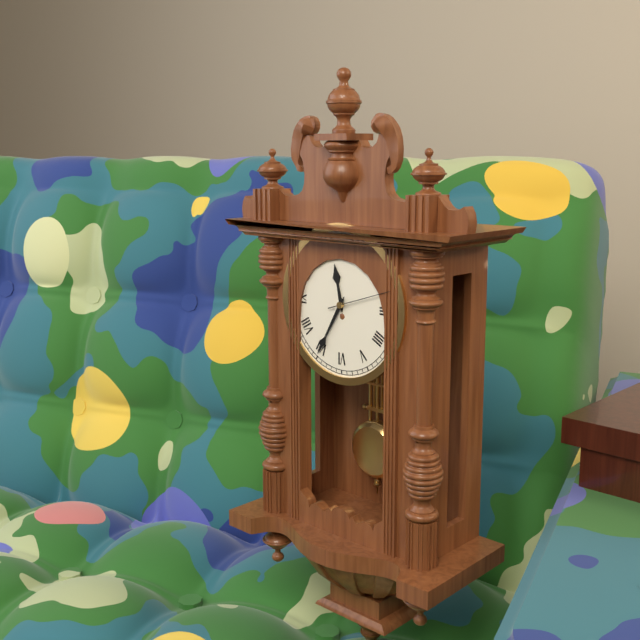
11:35:12
